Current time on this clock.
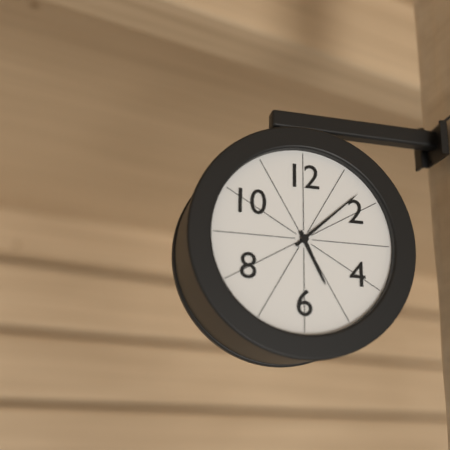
5:08
